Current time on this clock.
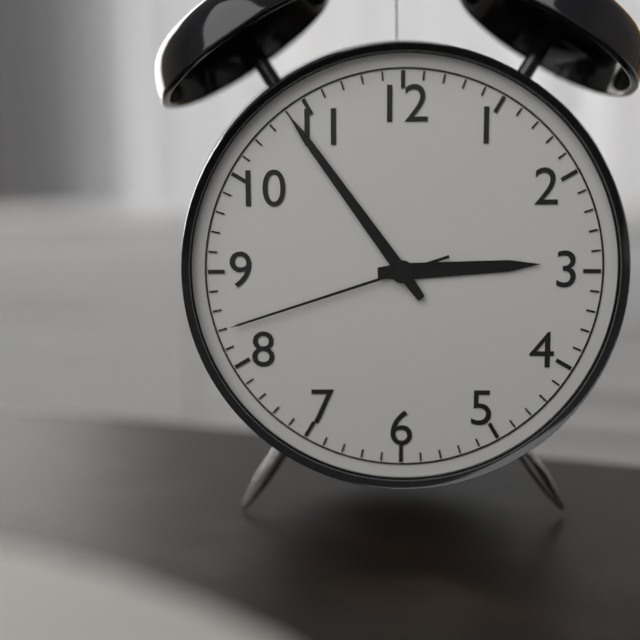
2:54:42
